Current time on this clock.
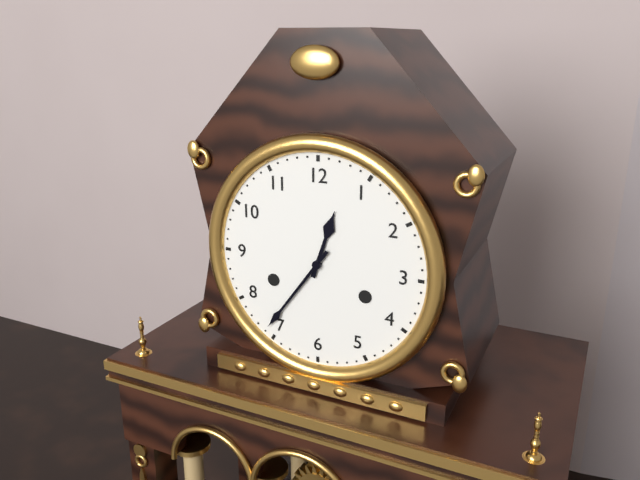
12:36
